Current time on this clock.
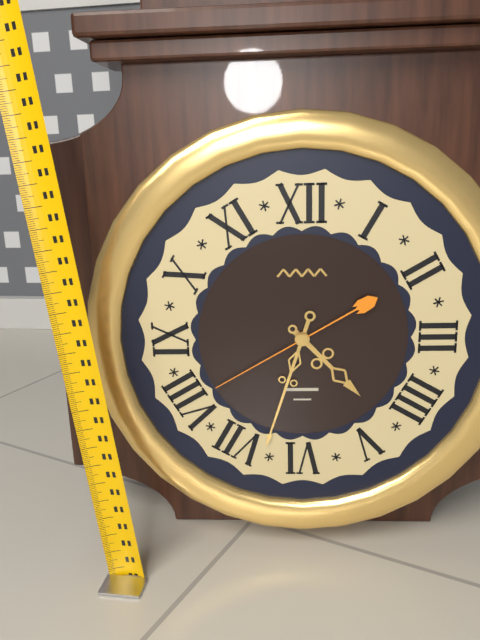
4:33:40
